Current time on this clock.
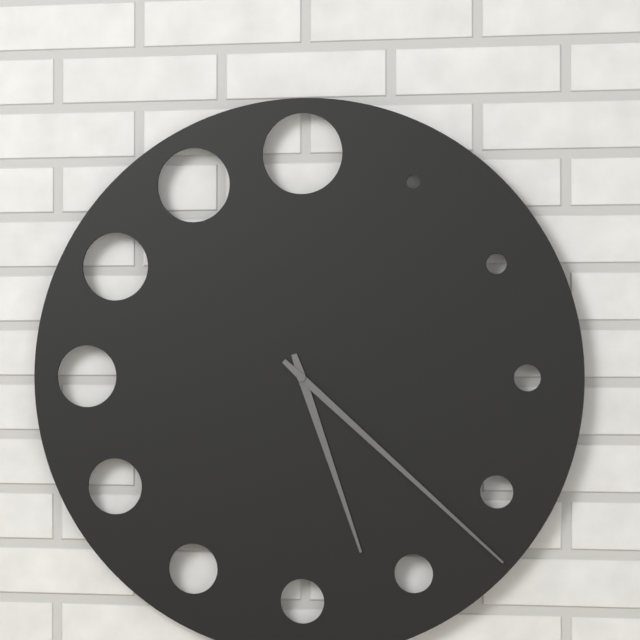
5:22
